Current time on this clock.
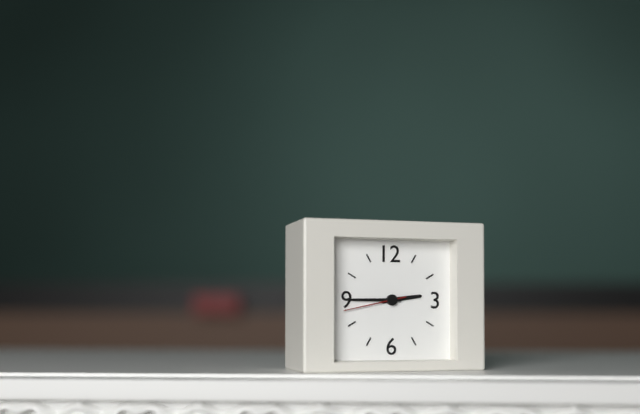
2:45:43
